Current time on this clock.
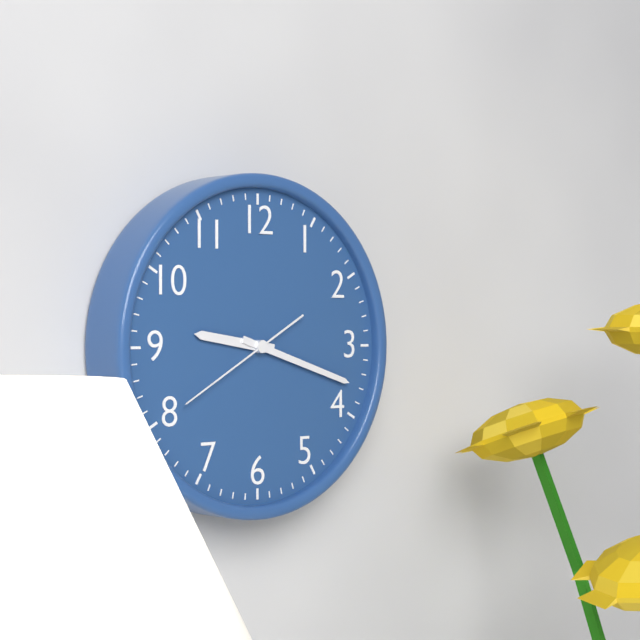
9:18:40
